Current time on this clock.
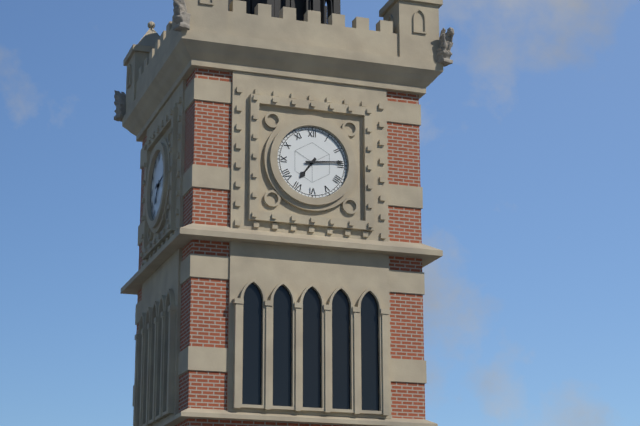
7:14
